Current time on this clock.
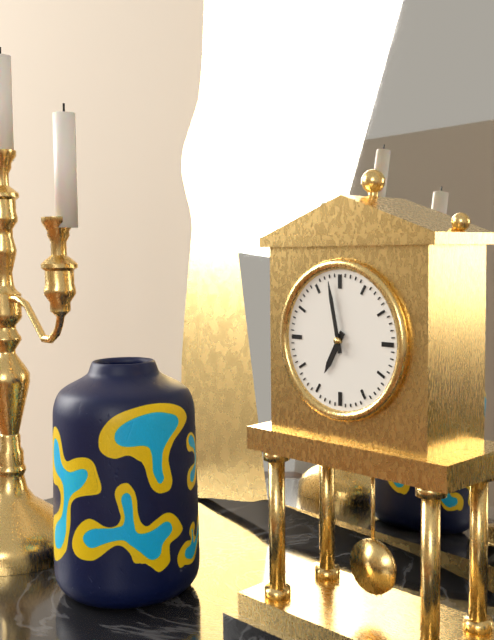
6:58
